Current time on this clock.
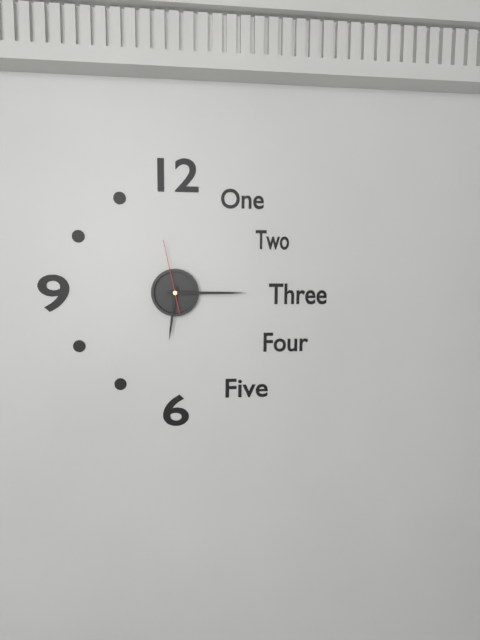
6:15:58
